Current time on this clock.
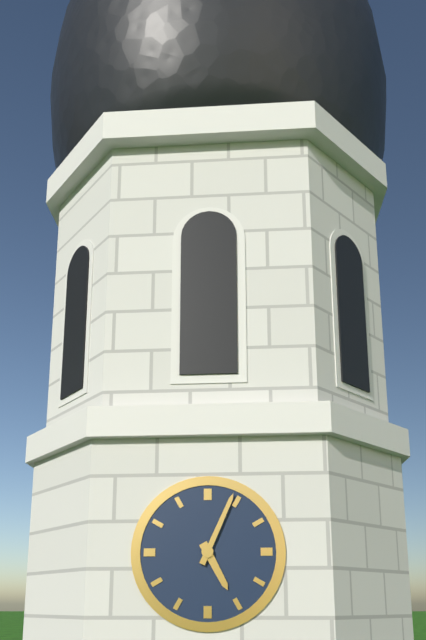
5:04
